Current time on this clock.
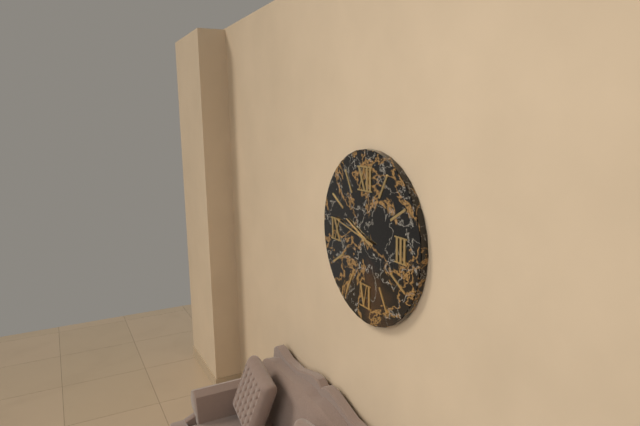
9:47
